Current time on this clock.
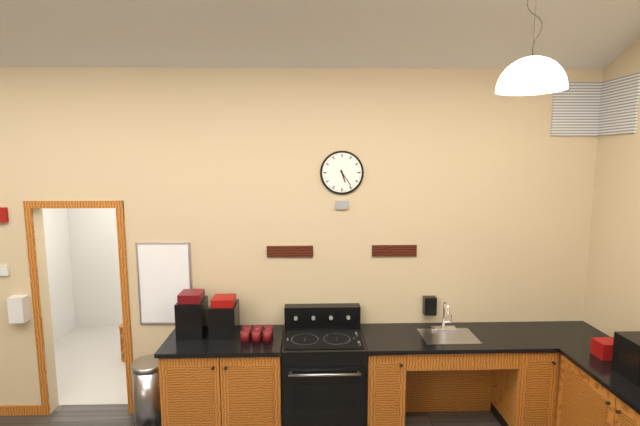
5:24
